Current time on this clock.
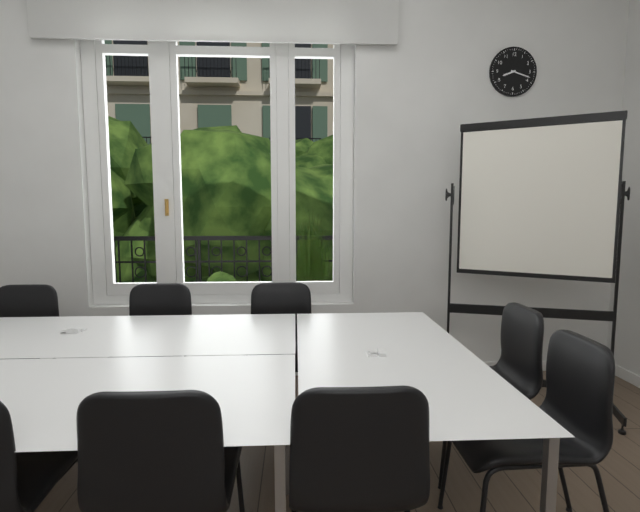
8:18
